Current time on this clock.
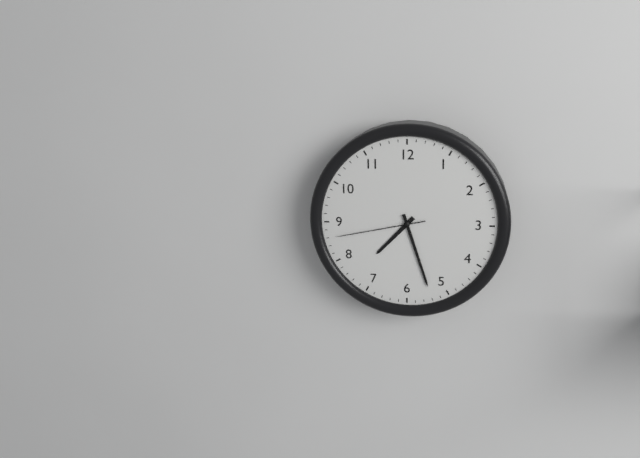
7:27:43
